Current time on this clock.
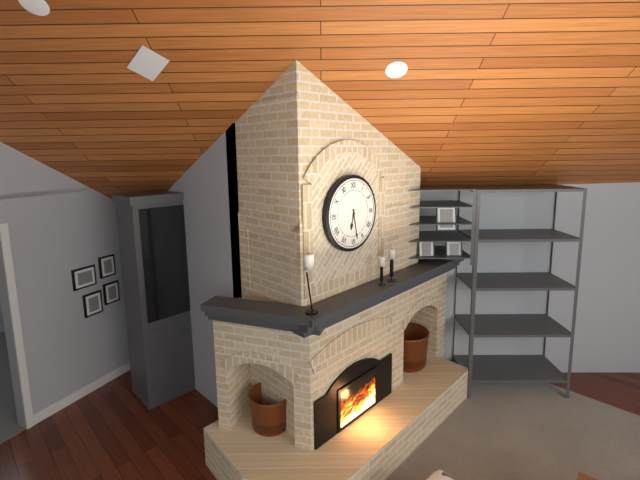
6:28
